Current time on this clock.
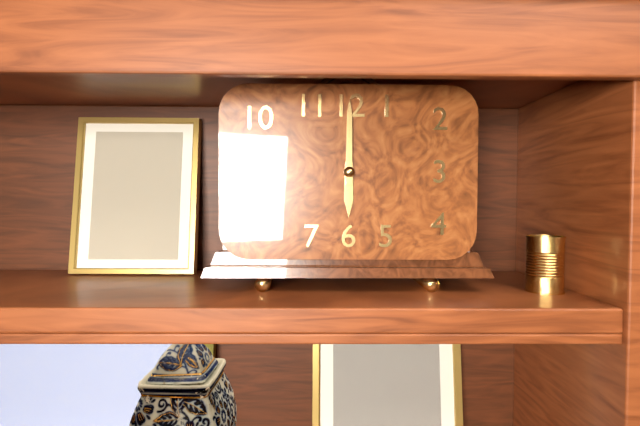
6:00
